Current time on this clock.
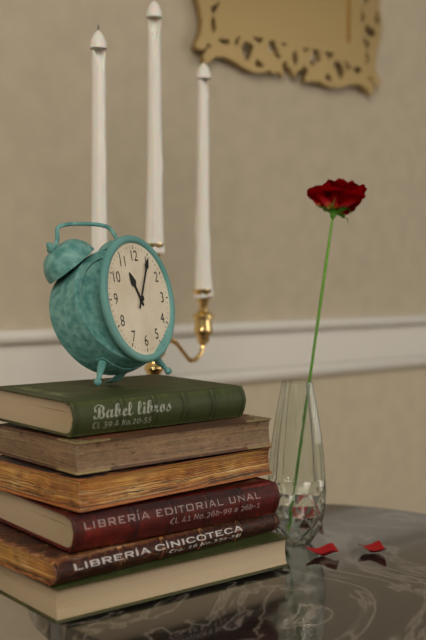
11:05
